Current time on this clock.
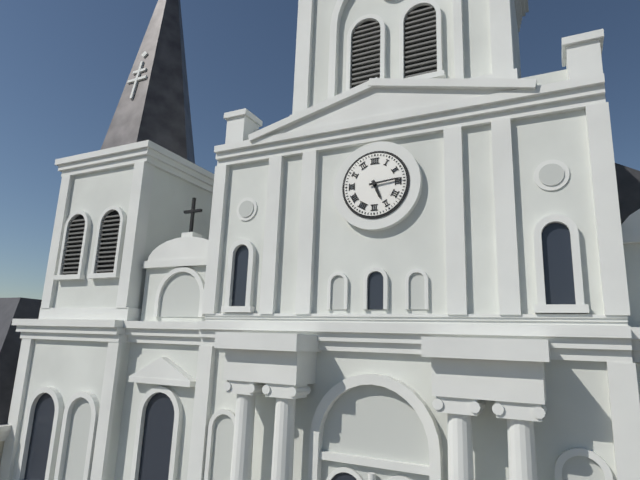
5:14
